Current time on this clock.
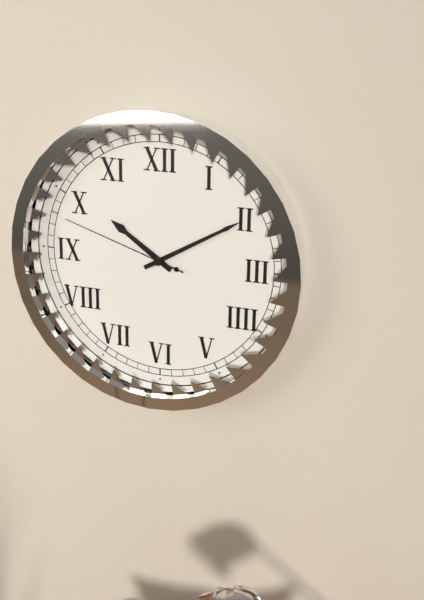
10:10:48
